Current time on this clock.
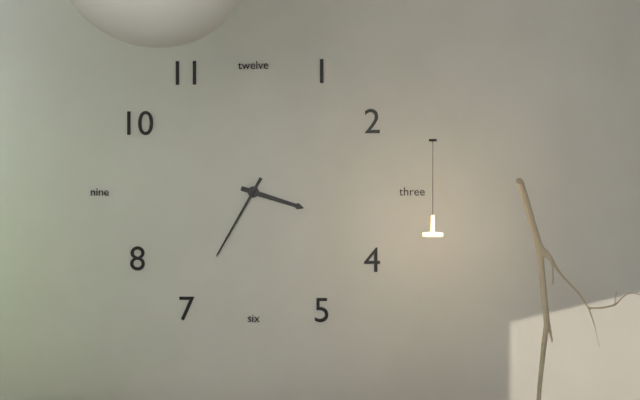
3:35
